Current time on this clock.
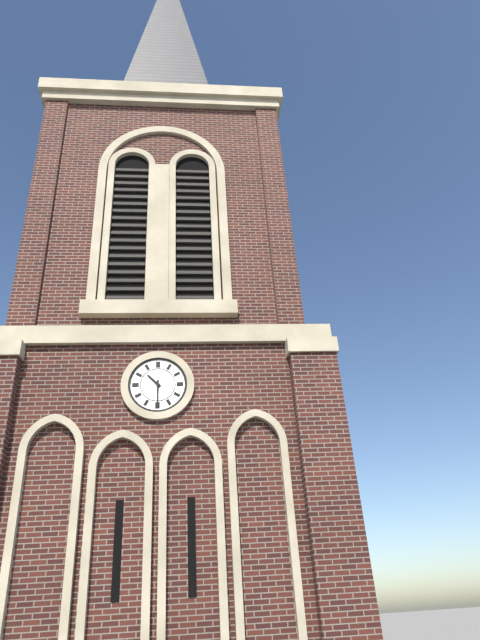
10:30
